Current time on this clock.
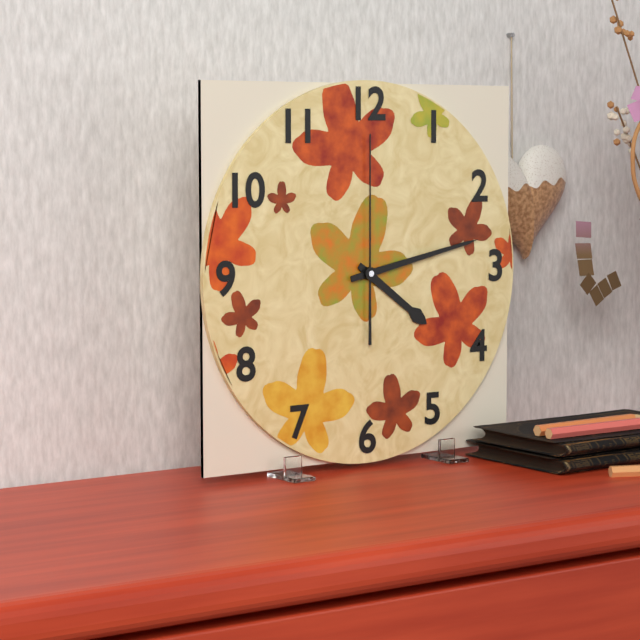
4:13:00
